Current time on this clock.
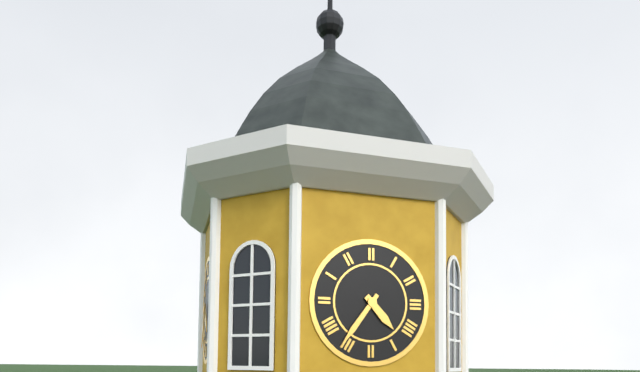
4:36
